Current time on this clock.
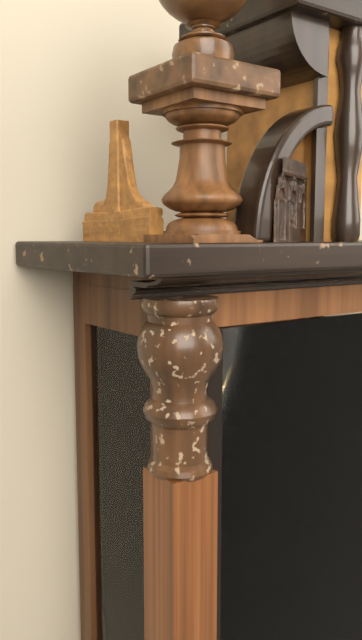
10:39
